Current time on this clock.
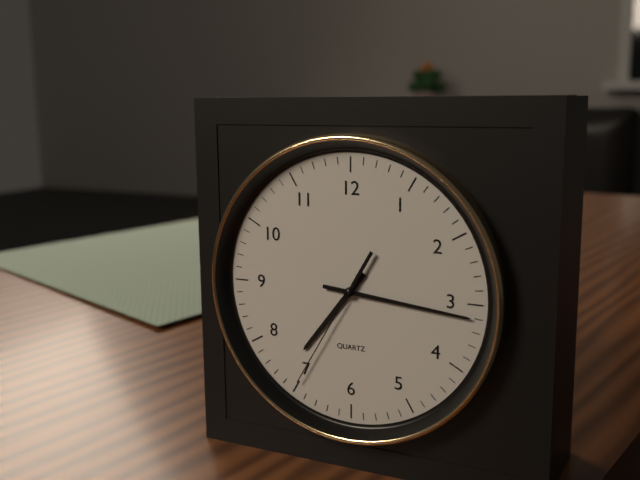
7:16:35
